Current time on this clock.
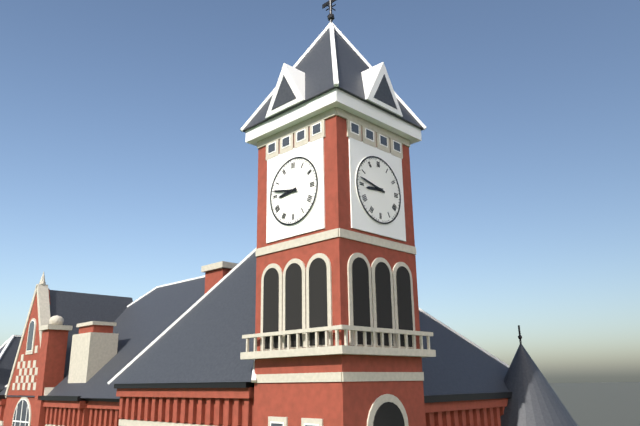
8:47
